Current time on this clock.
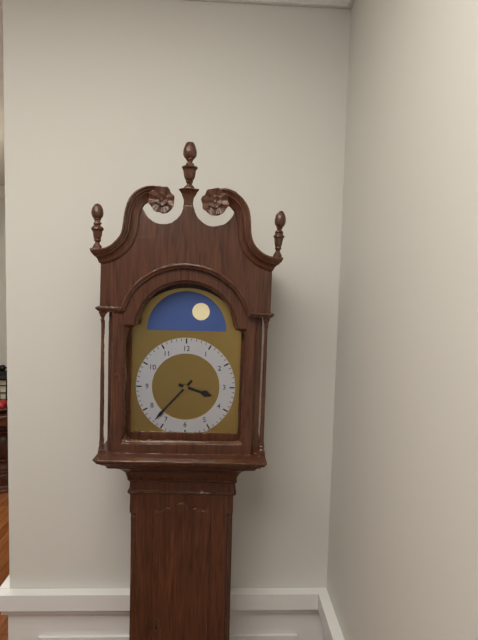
3:37
